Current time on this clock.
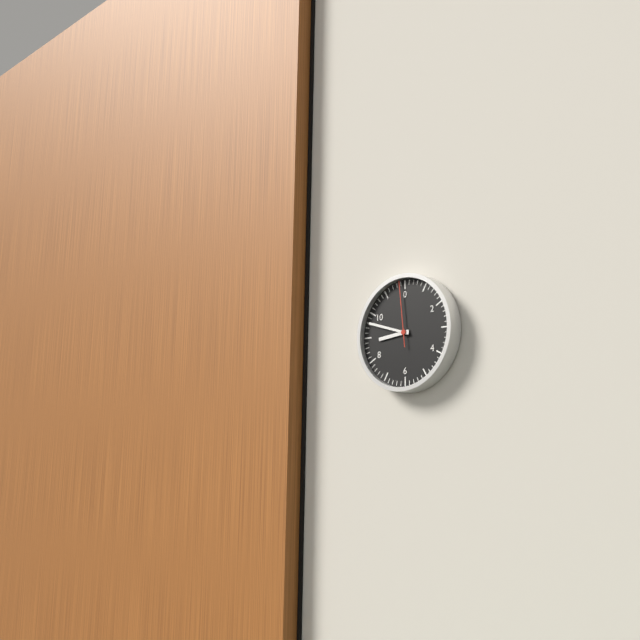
8:48:59
